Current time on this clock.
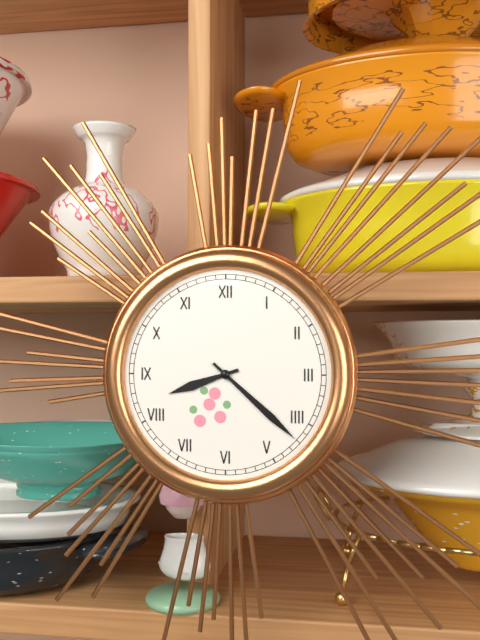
8:22
